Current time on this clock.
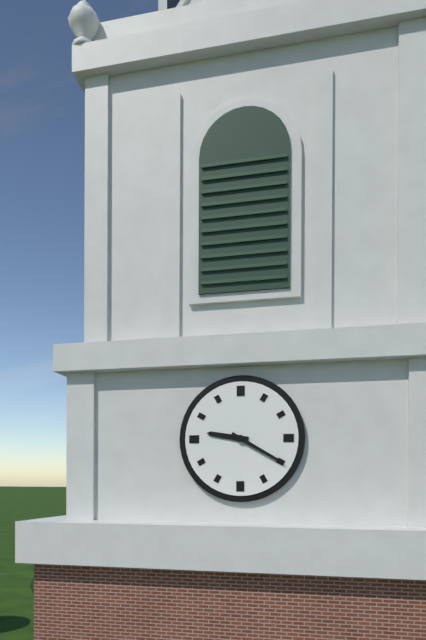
9:20
